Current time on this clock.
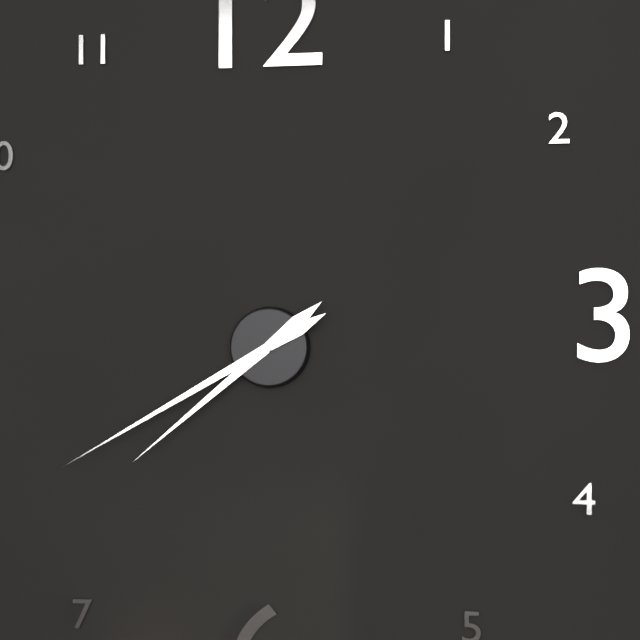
7:40
